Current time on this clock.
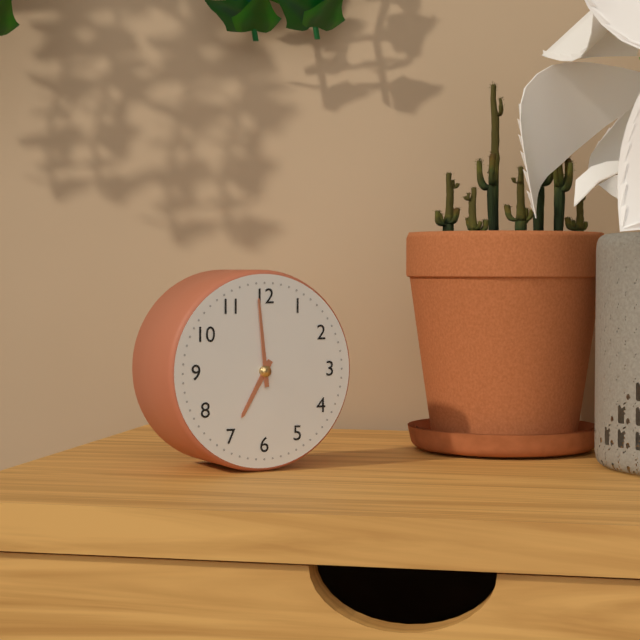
6:59
